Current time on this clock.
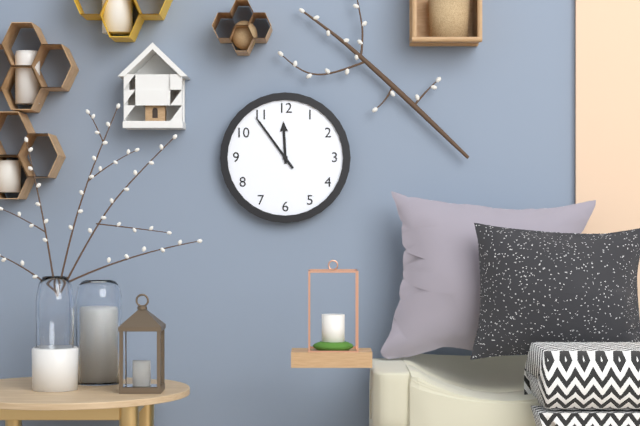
11:54
